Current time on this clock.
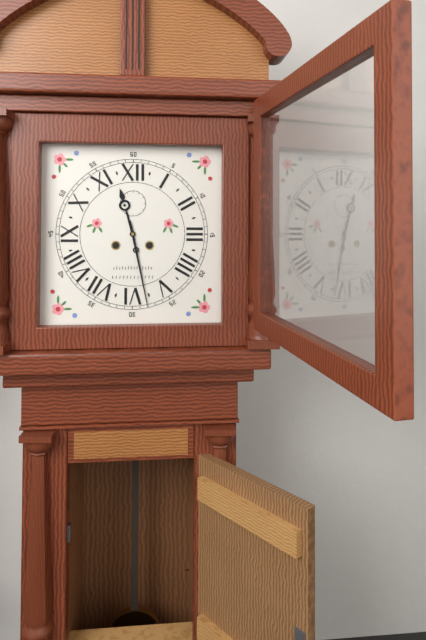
11:28
